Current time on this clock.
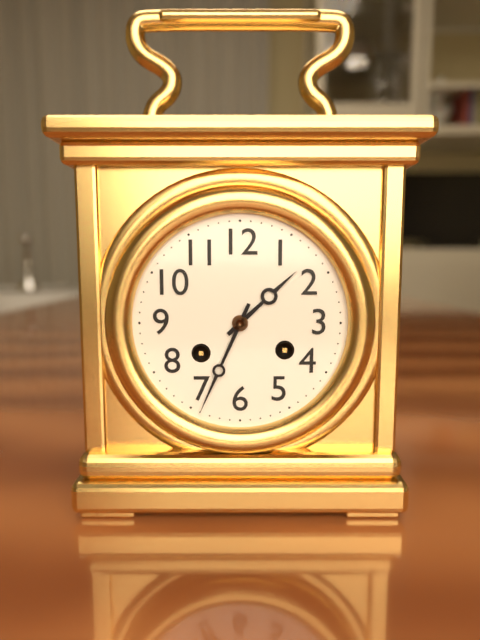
1:34
